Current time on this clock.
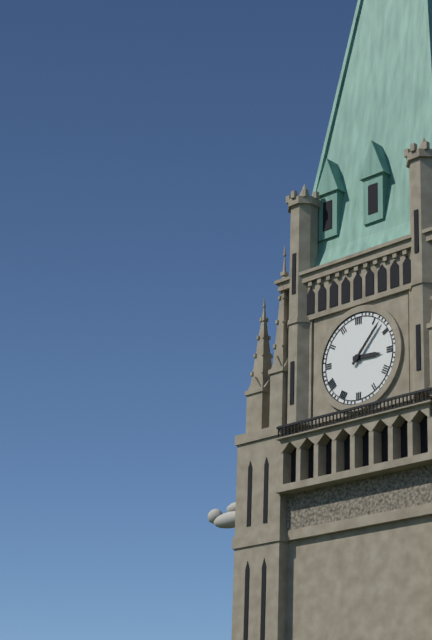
3:07
